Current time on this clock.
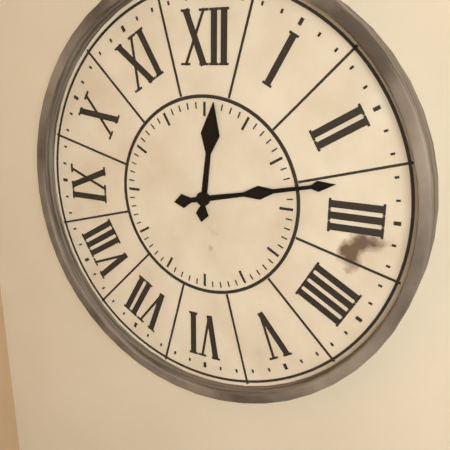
12:13
